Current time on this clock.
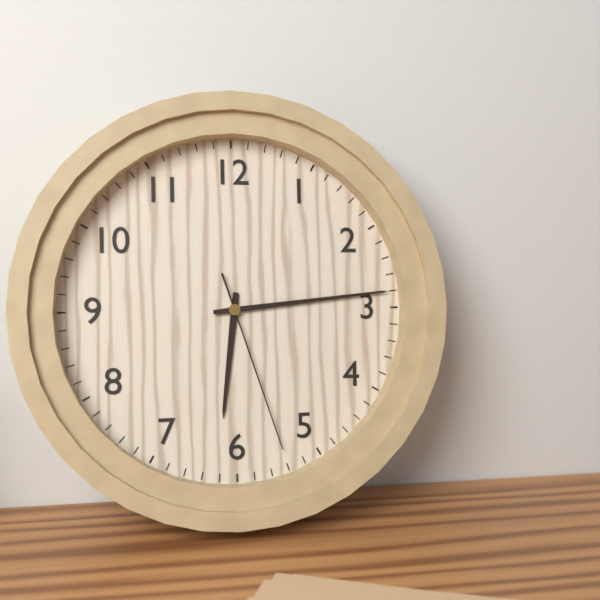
6:14:27
